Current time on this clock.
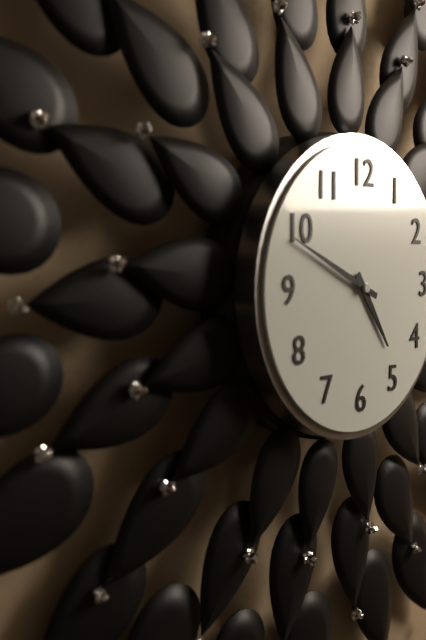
4:49
